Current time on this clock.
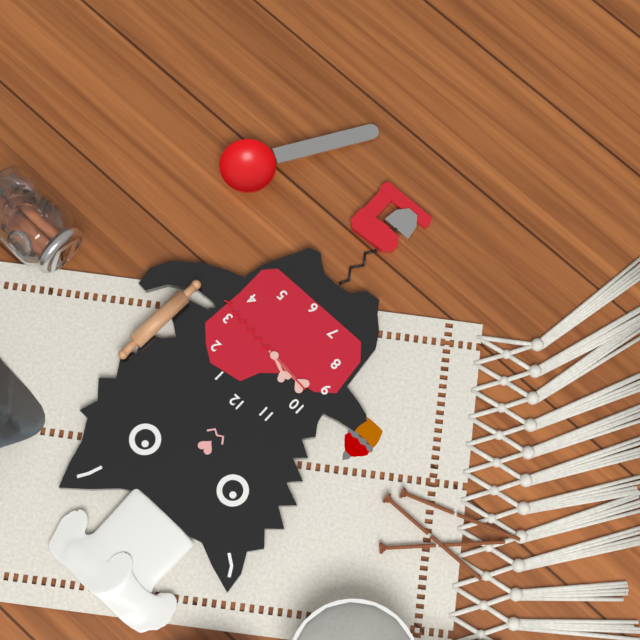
9:46:16
